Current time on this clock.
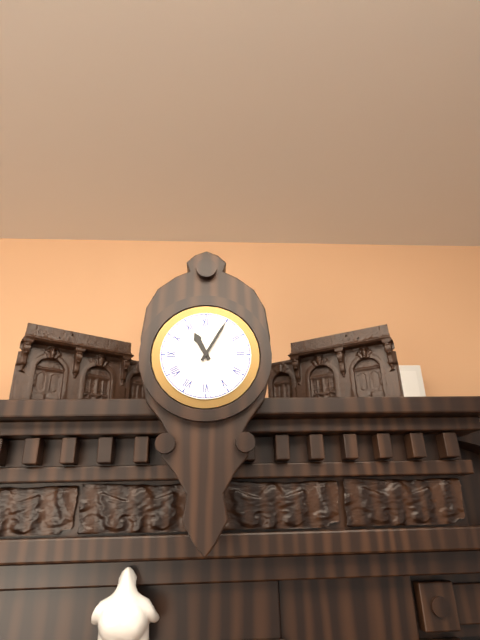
11:05
